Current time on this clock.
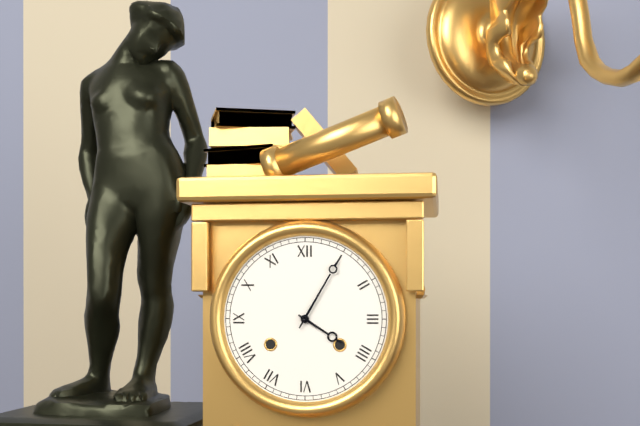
4:05
